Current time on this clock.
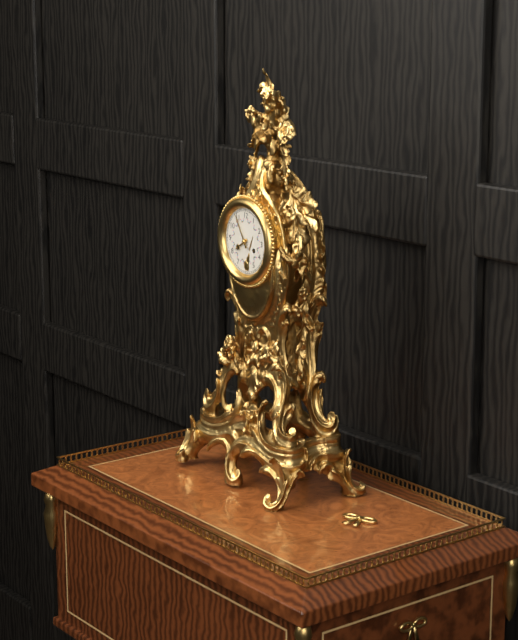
7:55
